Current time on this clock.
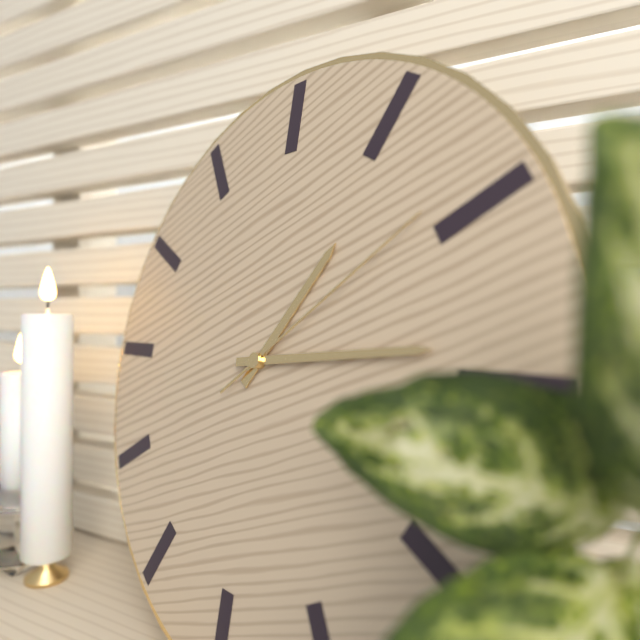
1:14:09
